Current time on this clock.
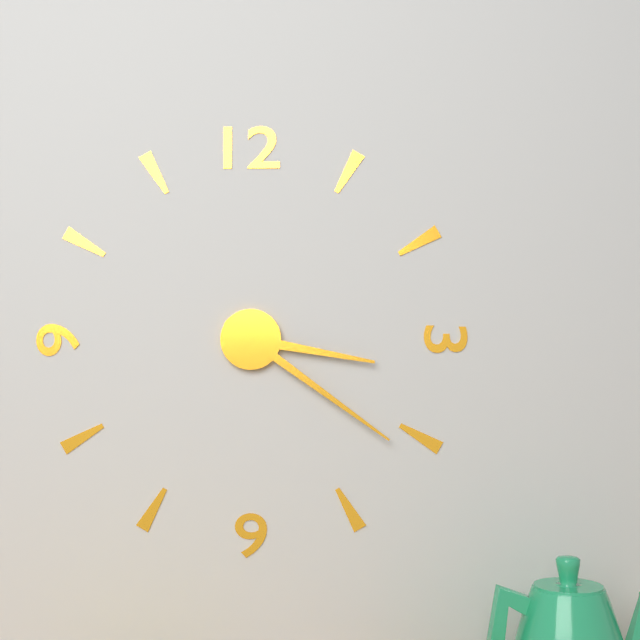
3:21
